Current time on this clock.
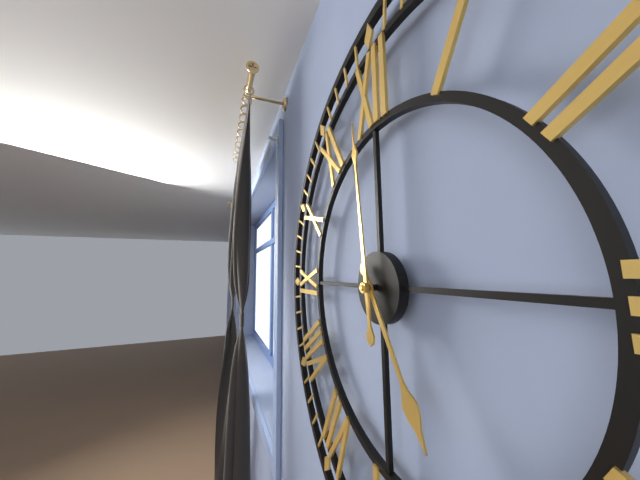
4:59
